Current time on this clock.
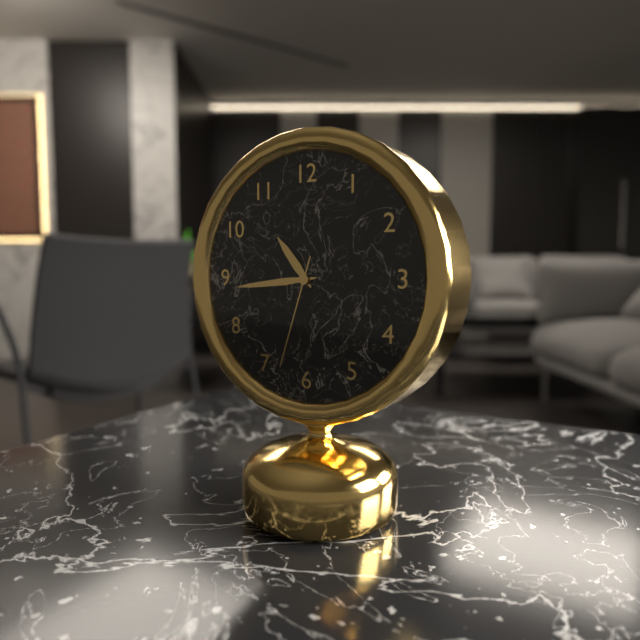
10:44:33
